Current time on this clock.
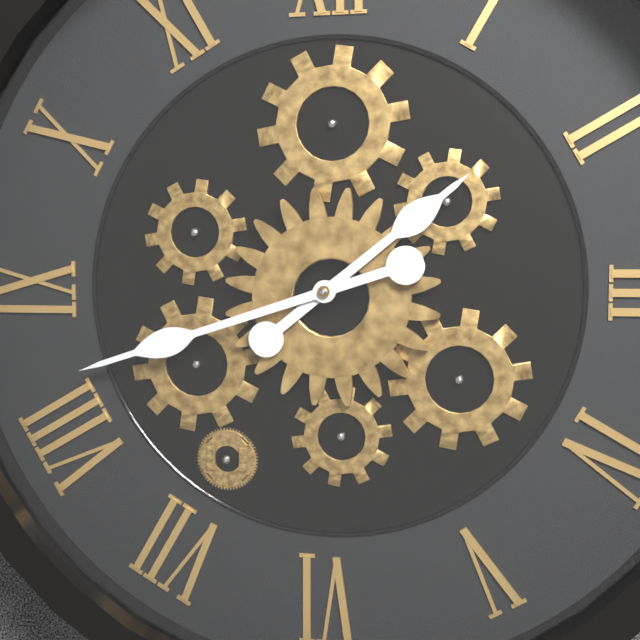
1:42
